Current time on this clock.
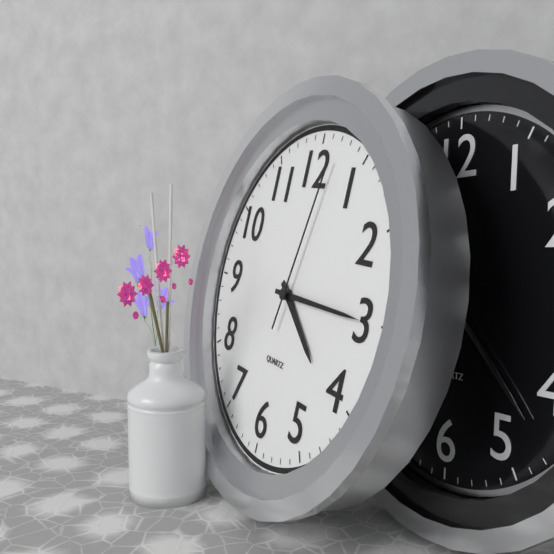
4:15:02
